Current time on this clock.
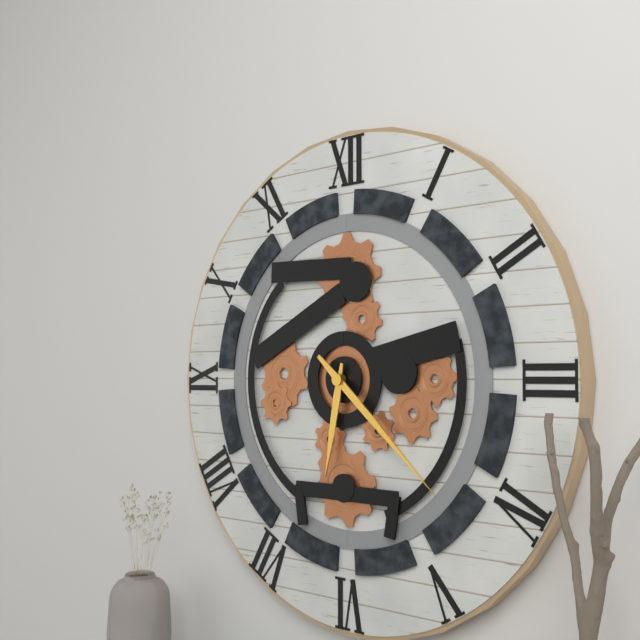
6:22
